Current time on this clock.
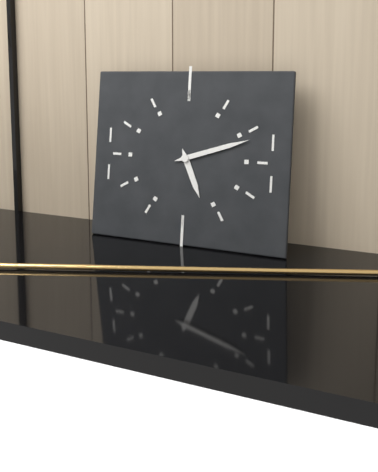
5:12
